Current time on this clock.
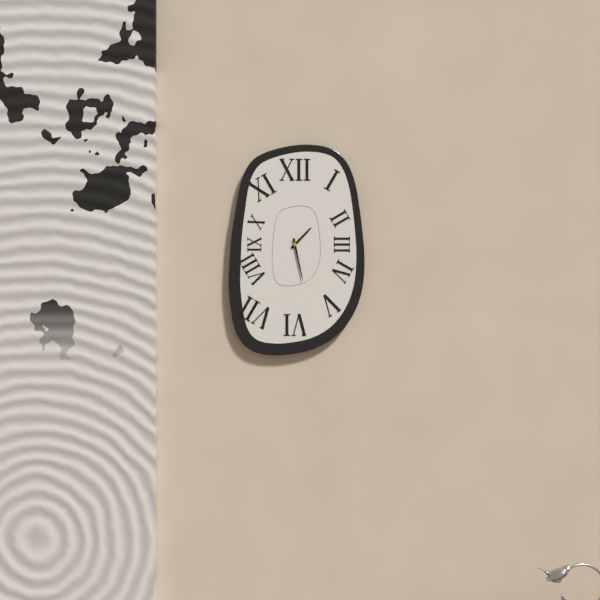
1:28
